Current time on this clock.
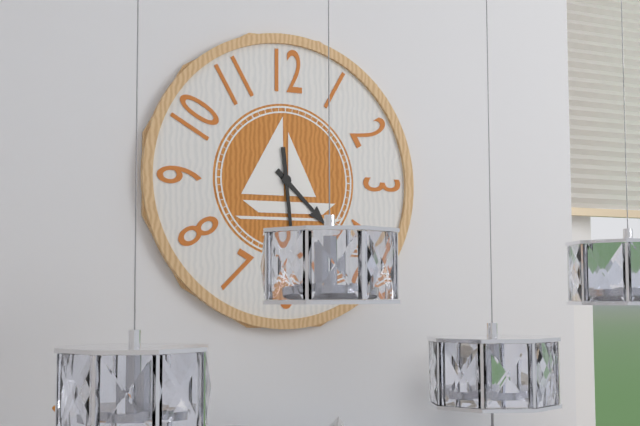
4:29
